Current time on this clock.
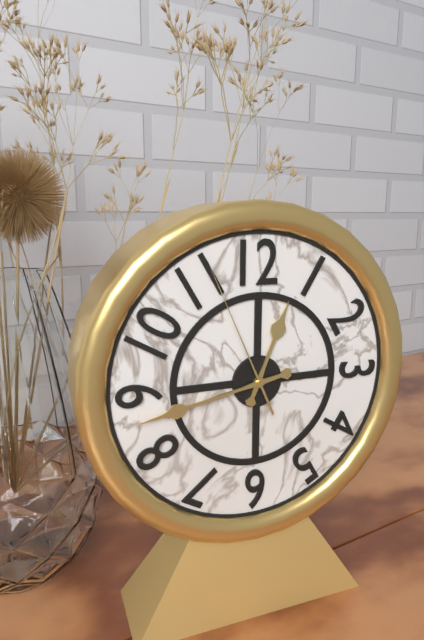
12:43:56
